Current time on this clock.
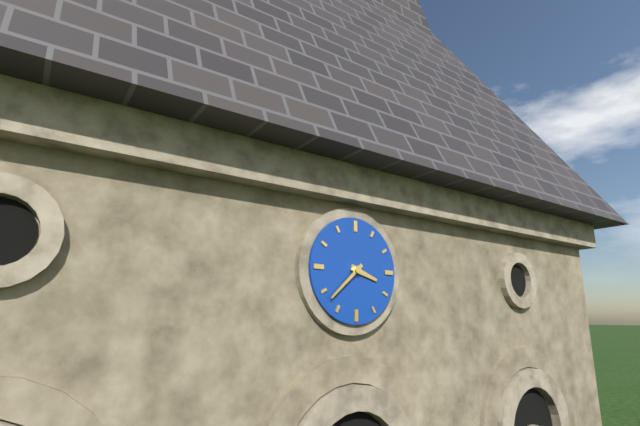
3:38
